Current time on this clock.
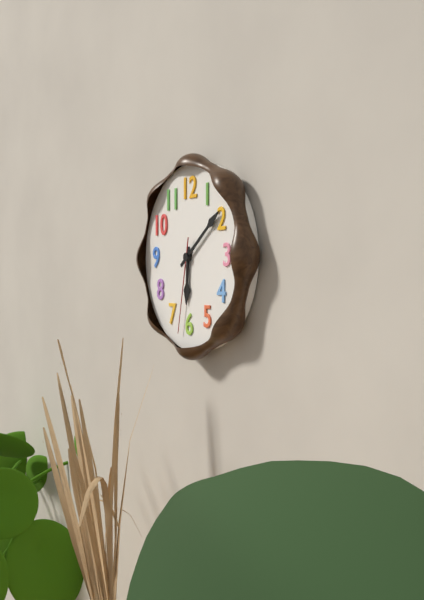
6:09:32
